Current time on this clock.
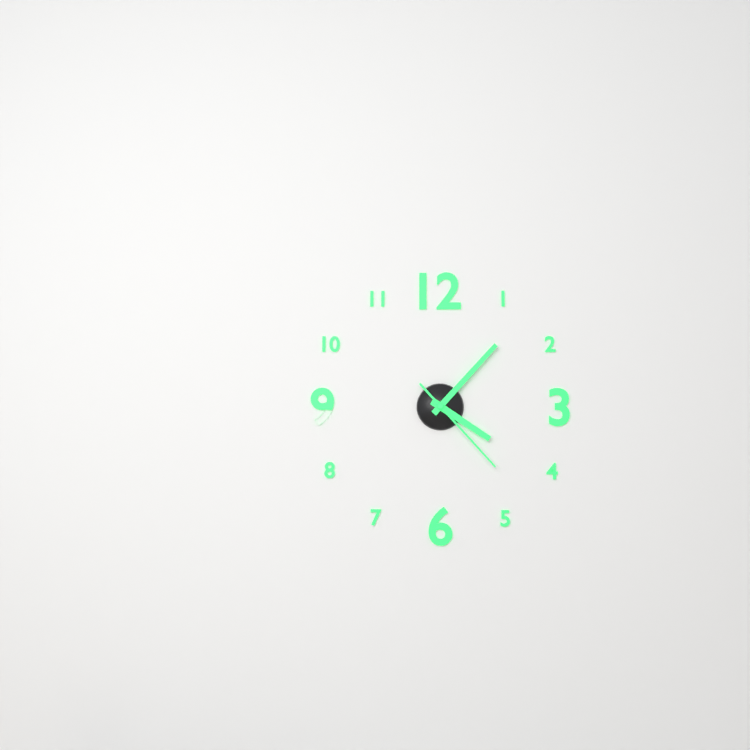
4:07:23
